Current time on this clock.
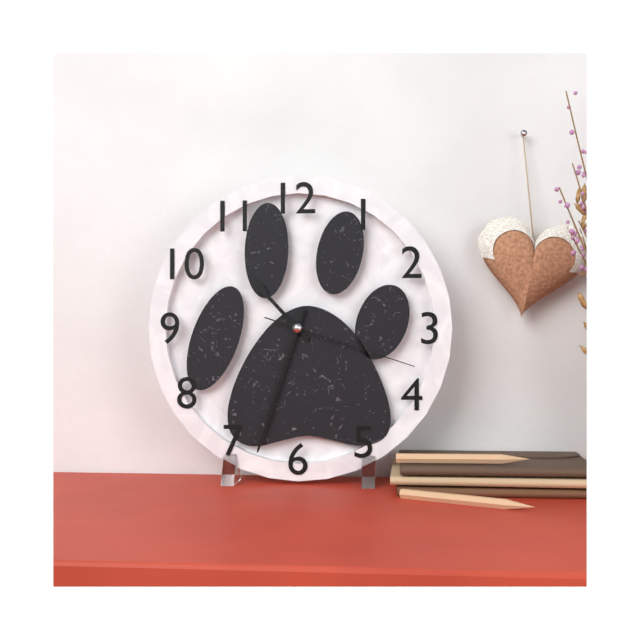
10:33:18
